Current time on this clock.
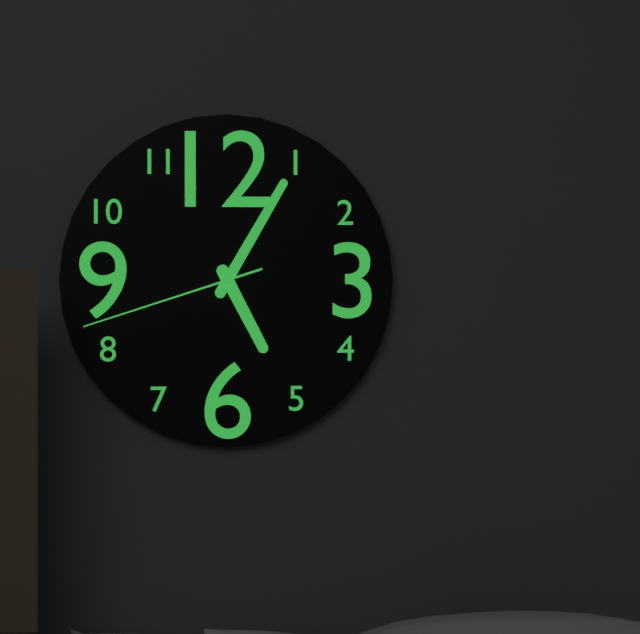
5:05:42
